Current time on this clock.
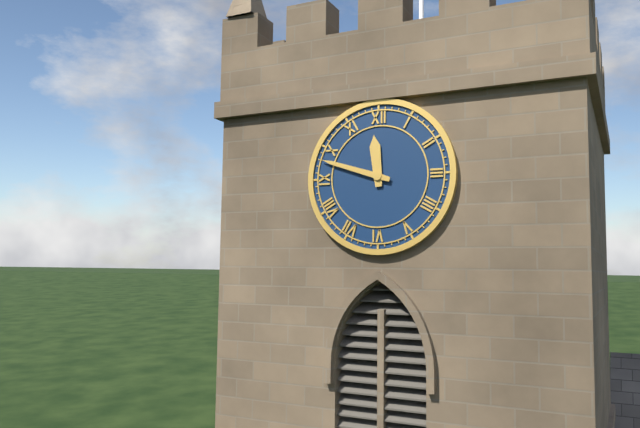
11:48
